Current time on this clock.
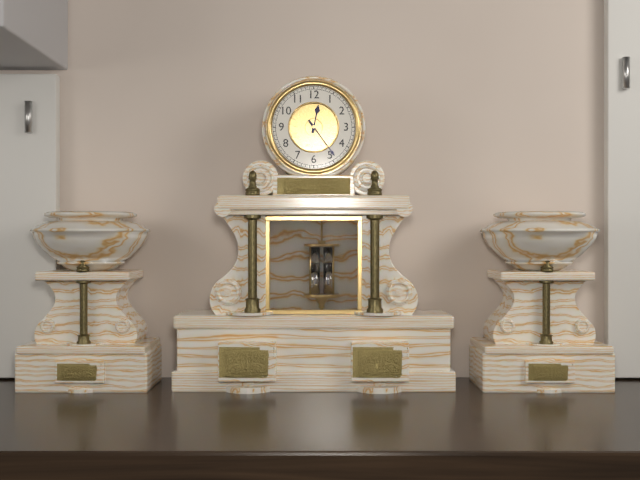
12:24
